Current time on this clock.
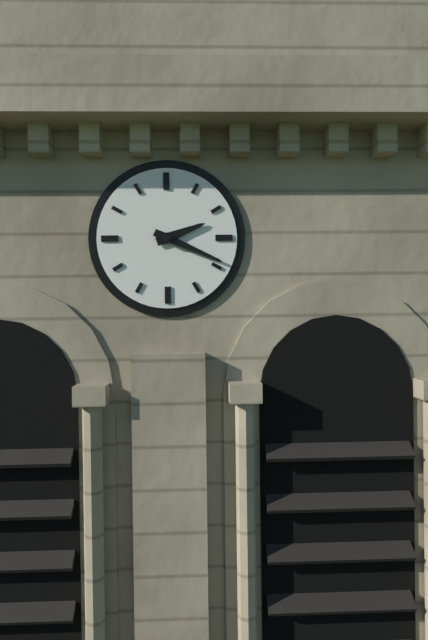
2:19
